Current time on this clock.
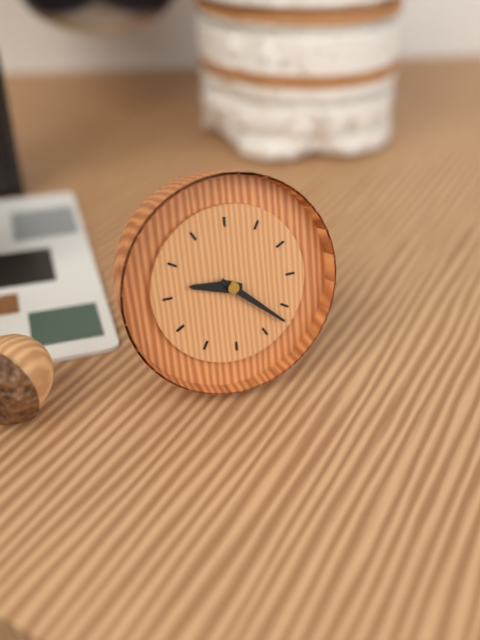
9:22
